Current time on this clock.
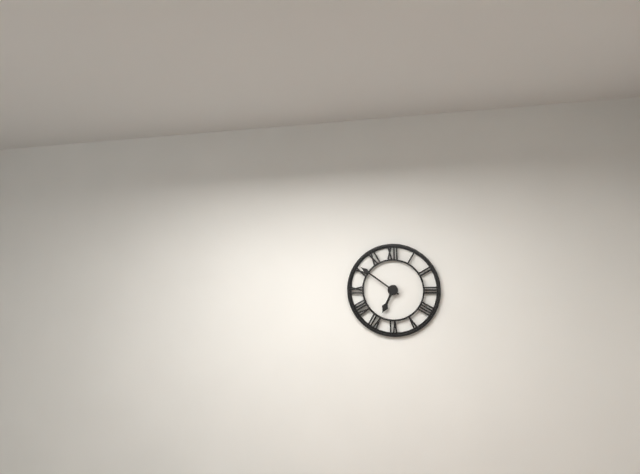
6:51
